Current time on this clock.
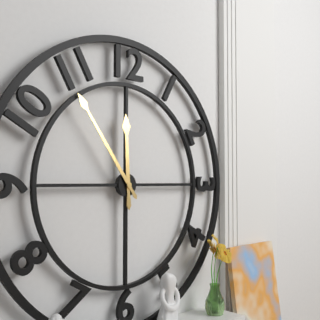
11:54
